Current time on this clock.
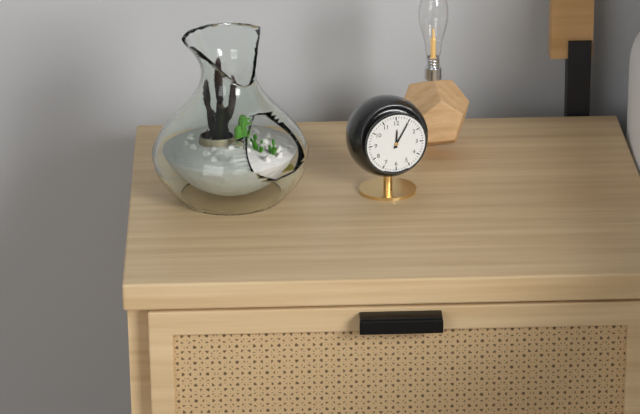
12:05
